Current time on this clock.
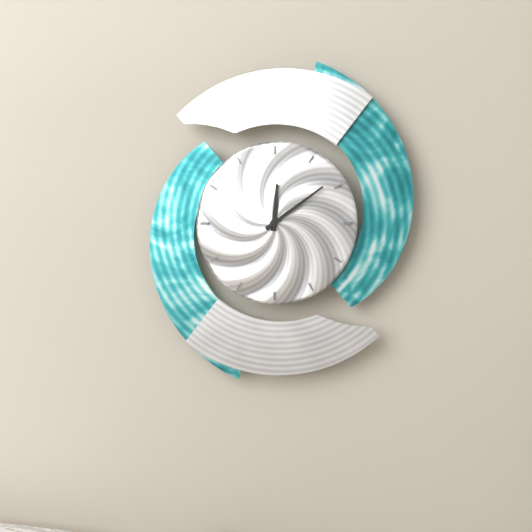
12:09
